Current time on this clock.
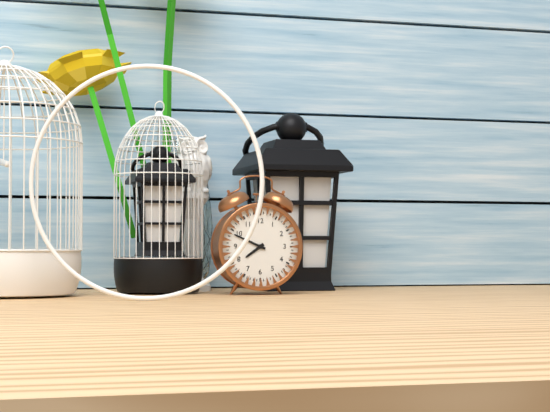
7:49
